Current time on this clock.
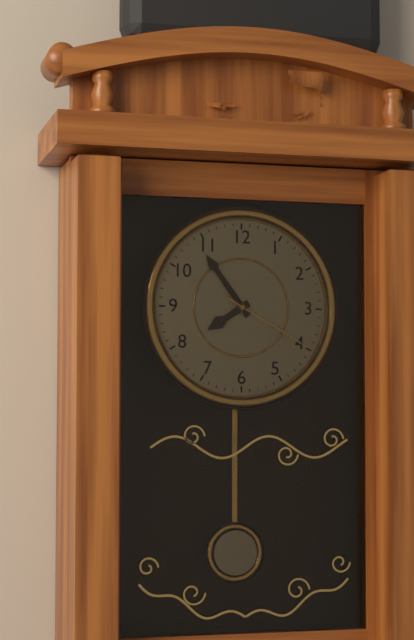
7:54:20
